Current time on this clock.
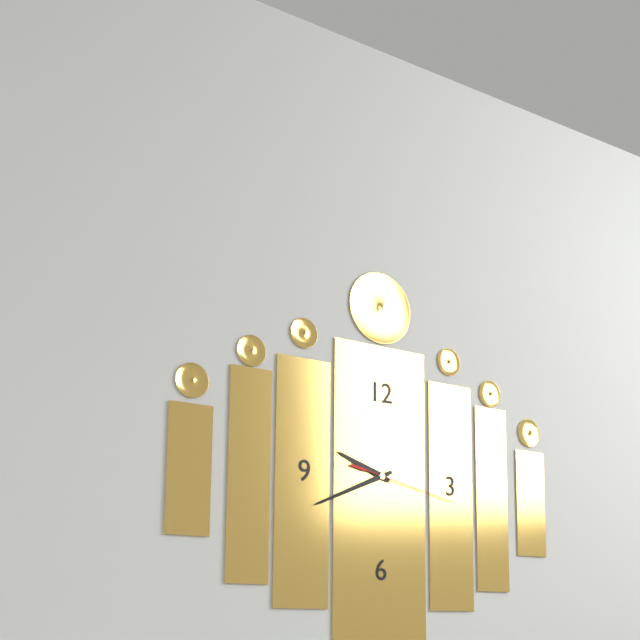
9:41:17
